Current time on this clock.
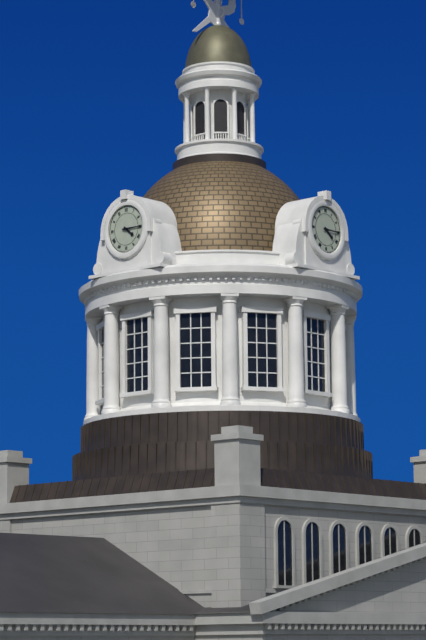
4:15
